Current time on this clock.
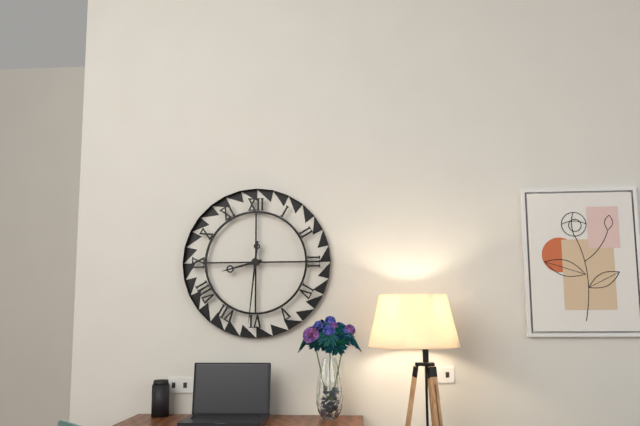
8:31
